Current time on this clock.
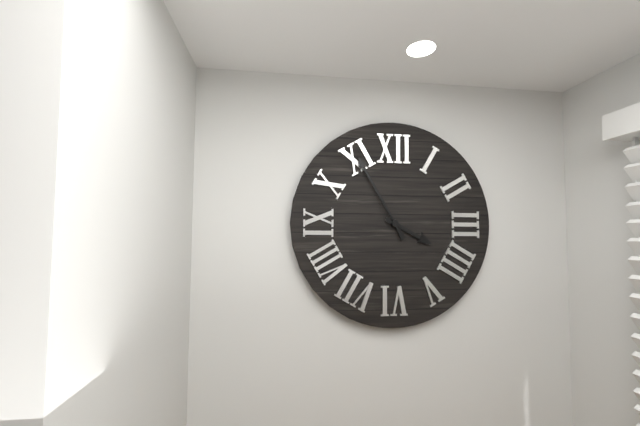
3:55
